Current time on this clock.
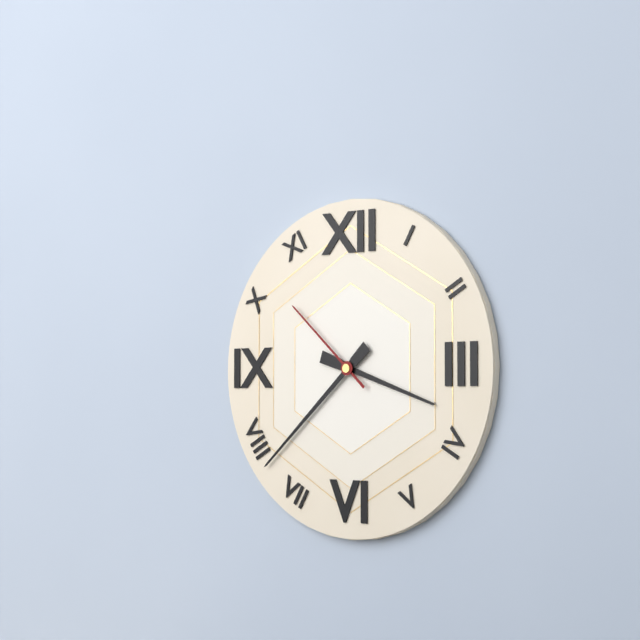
3:38:52
